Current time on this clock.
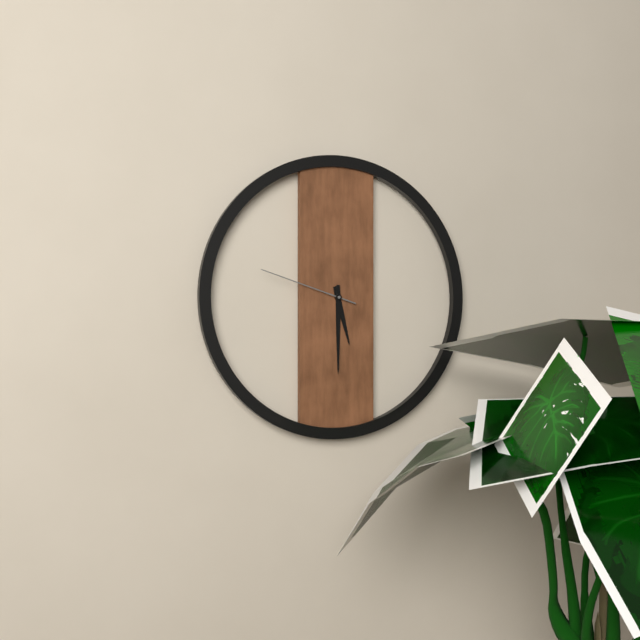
5:30:48
